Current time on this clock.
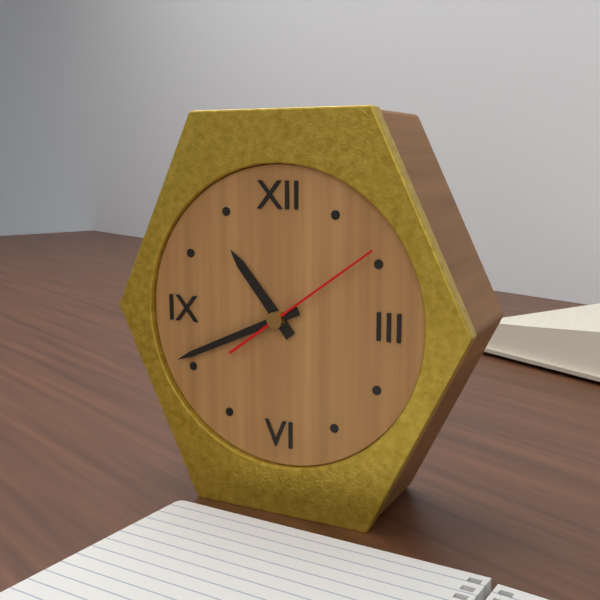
10:41:09
